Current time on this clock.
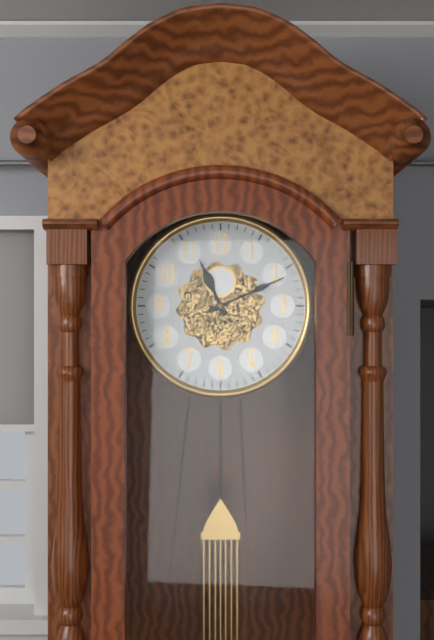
11:11
